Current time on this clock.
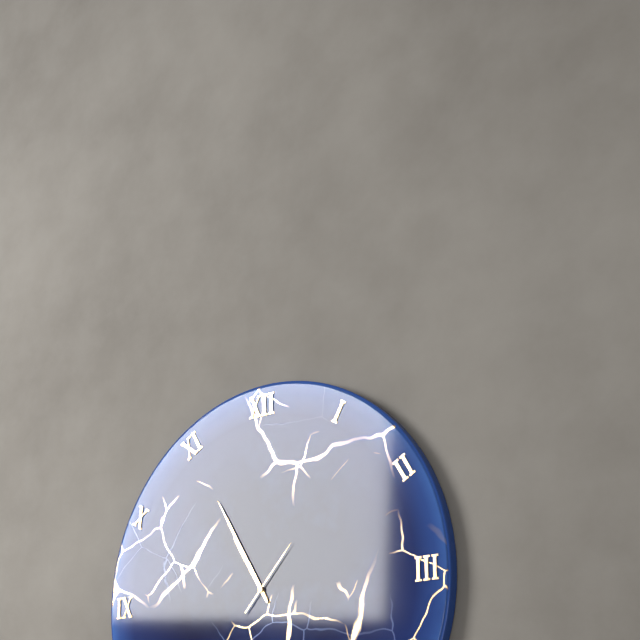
10:55:07
